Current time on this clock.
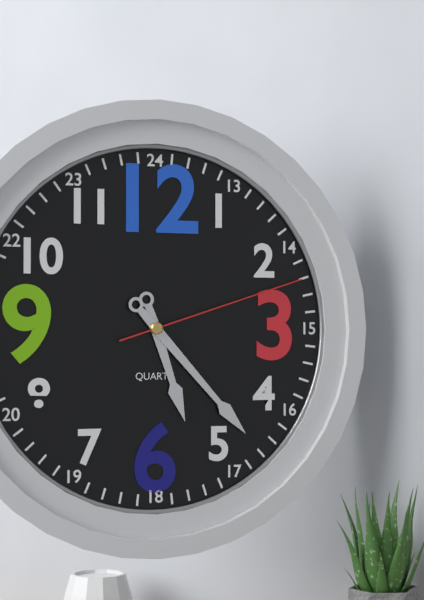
5:23:12
